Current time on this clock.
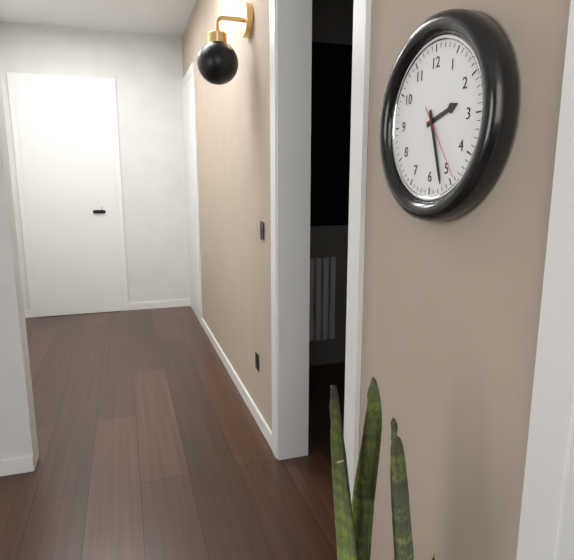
2:27:24
